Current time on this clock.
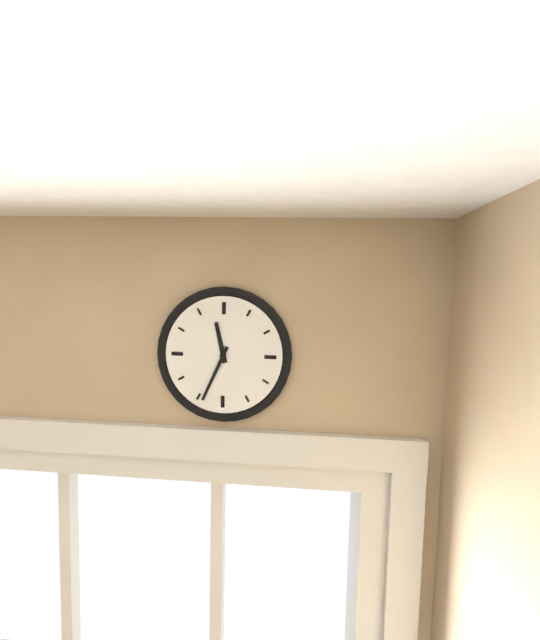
11:34
